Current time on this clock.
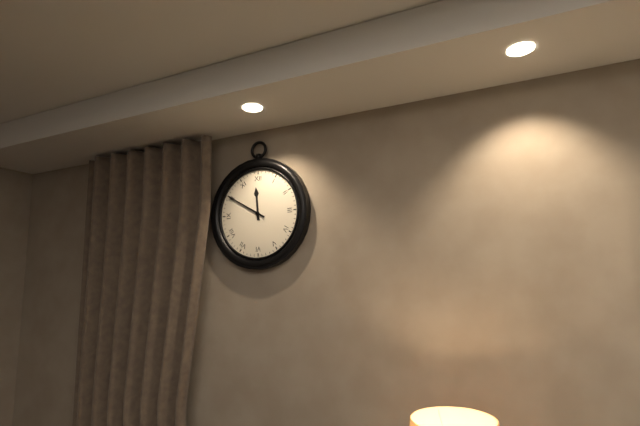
11:50
